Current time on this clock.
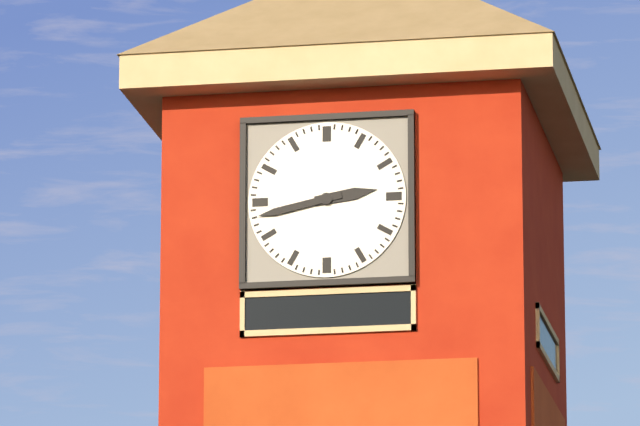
2:43
